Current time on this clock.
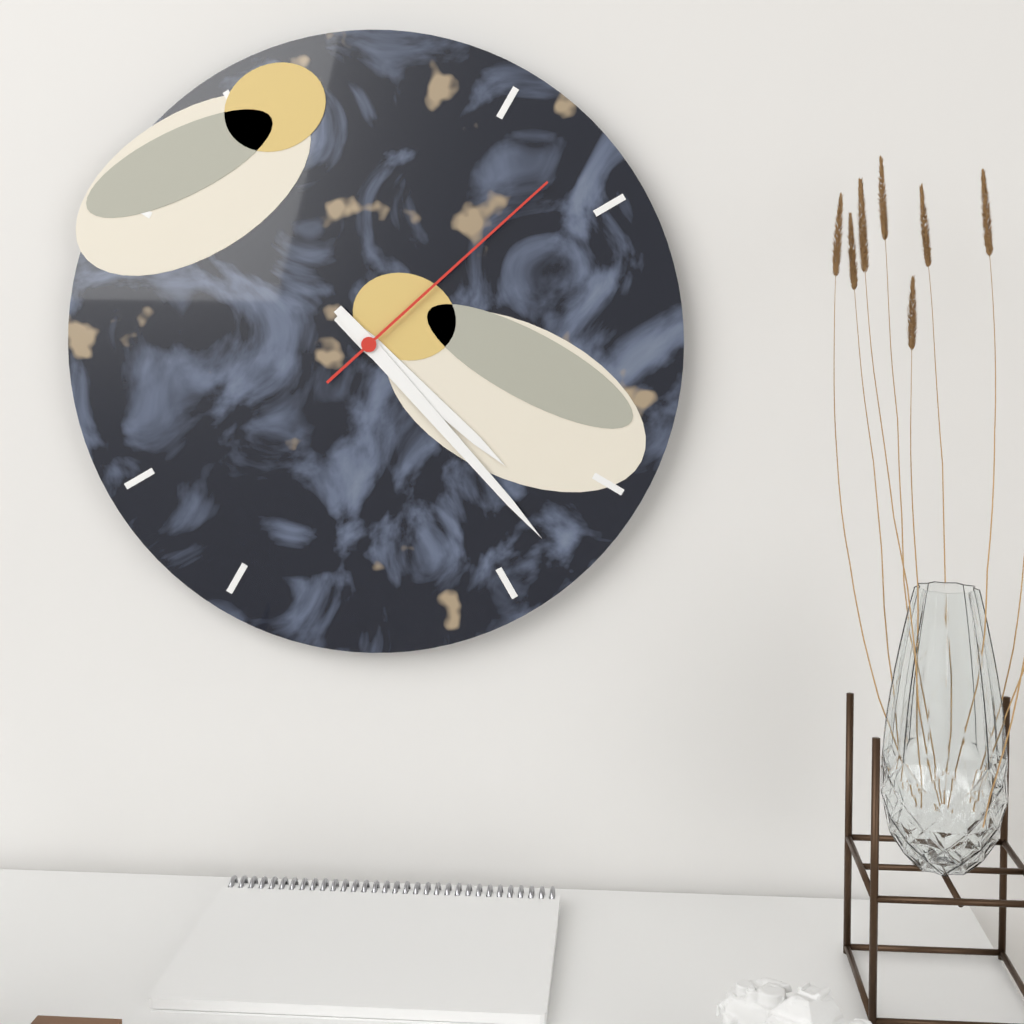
4:23:08
